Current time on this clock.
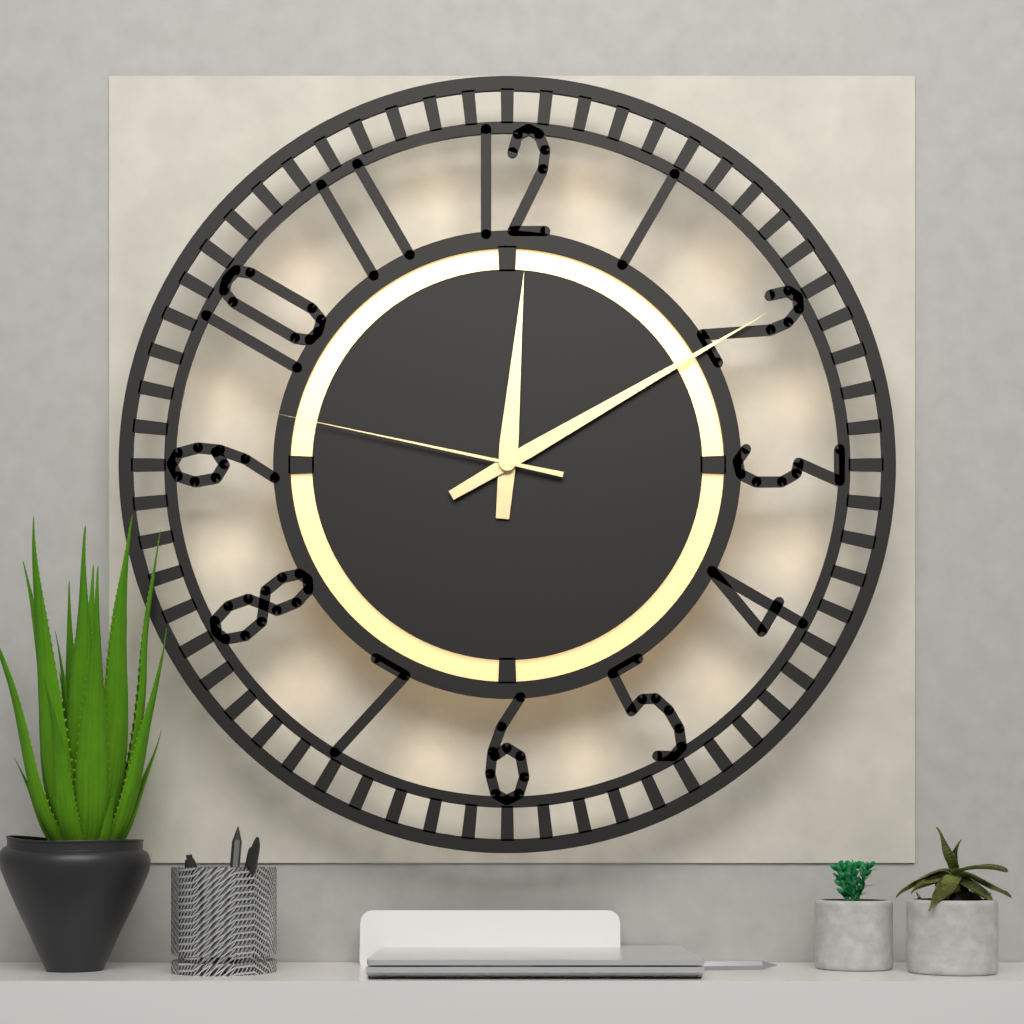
12:10:47
